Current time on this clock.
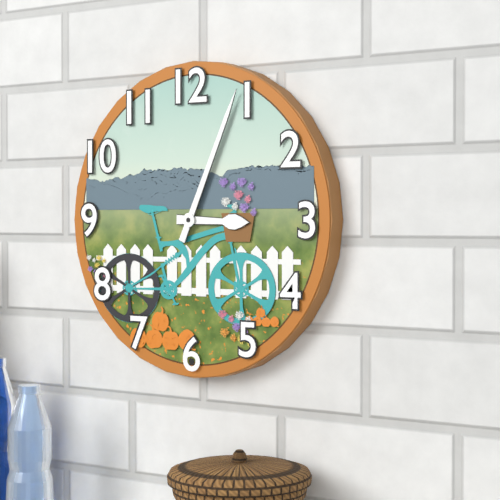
3:04
